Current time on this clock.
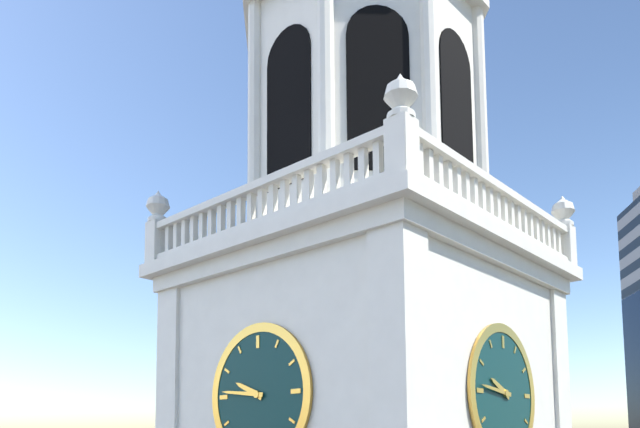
9:46
